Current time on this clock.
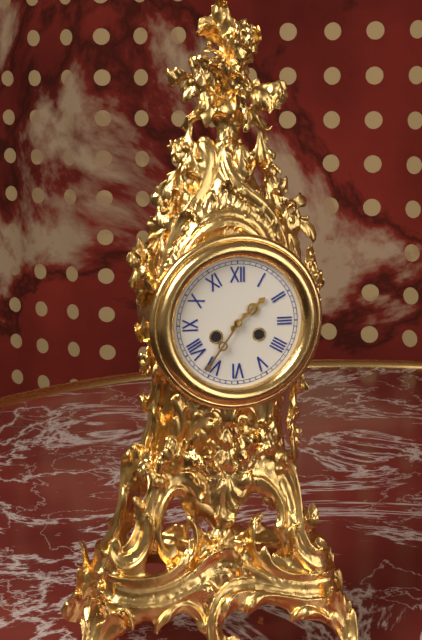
1:36
